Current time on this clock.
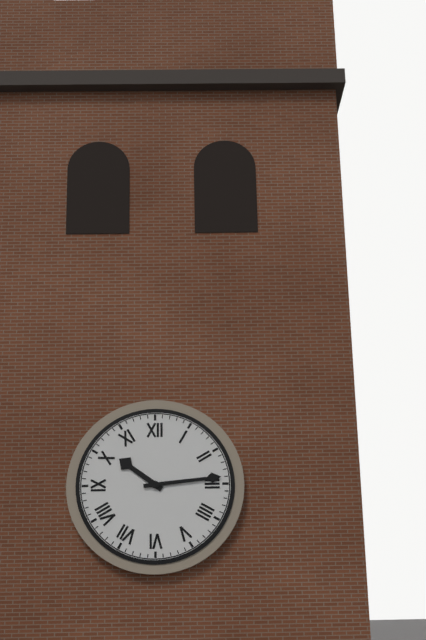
10:14
